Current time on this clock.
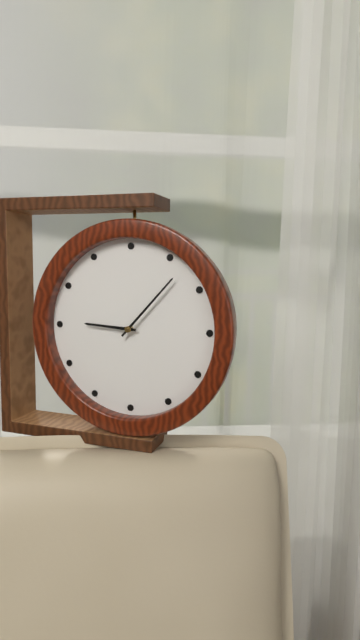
9:07
